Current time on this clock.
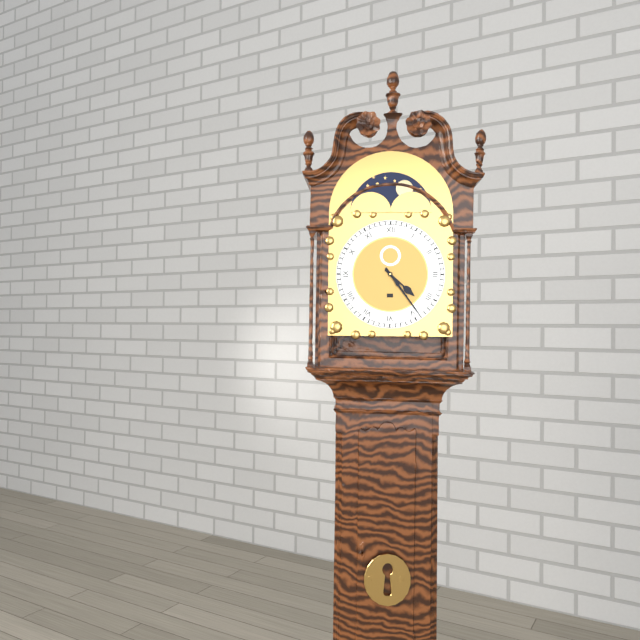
4:24
